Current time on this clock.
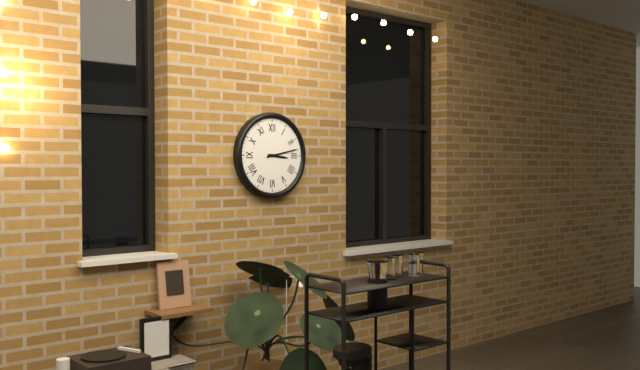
3:13
